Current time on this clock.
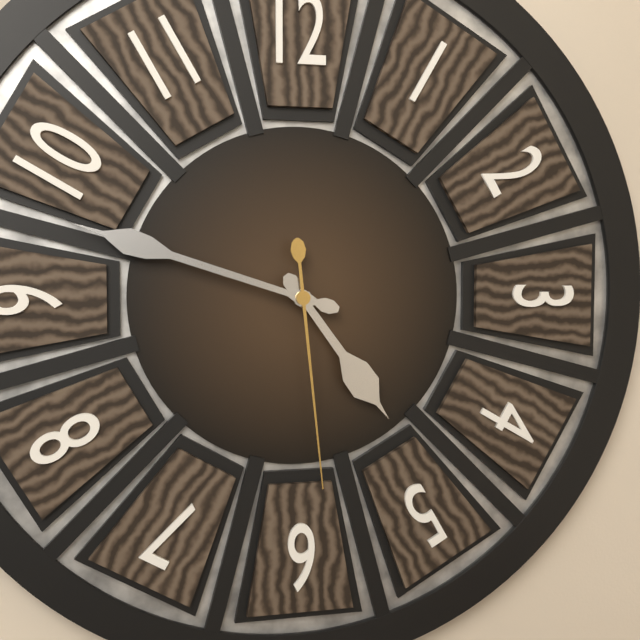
4:48:29
